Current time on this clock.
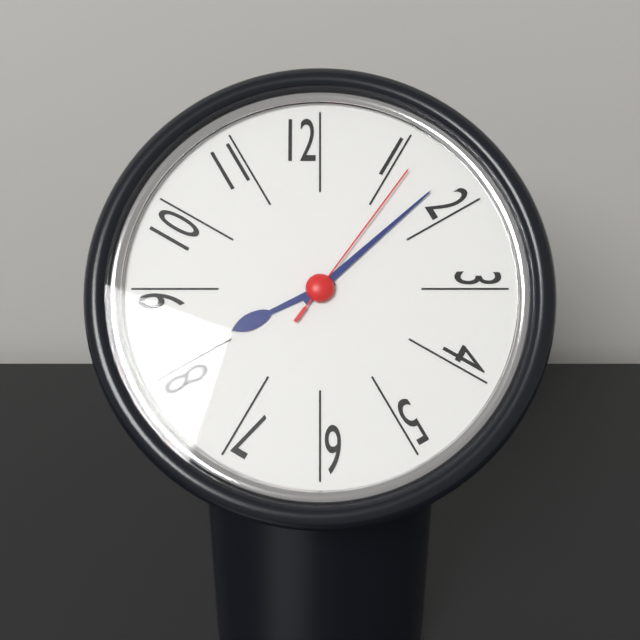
8:08:06
